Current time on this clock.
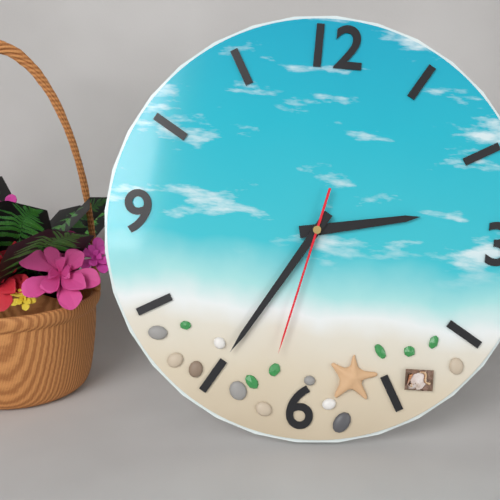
2:35:32
